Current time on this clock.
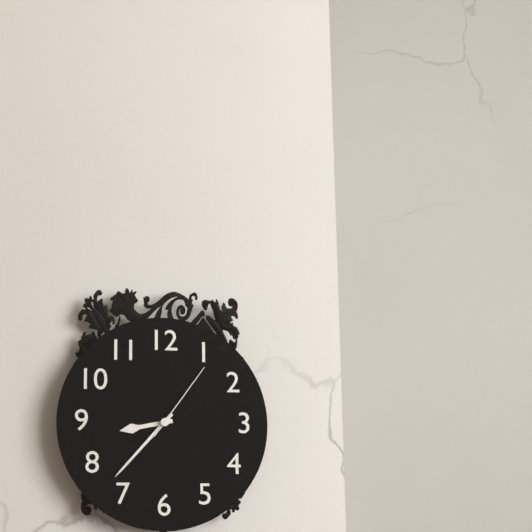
8:37:06
